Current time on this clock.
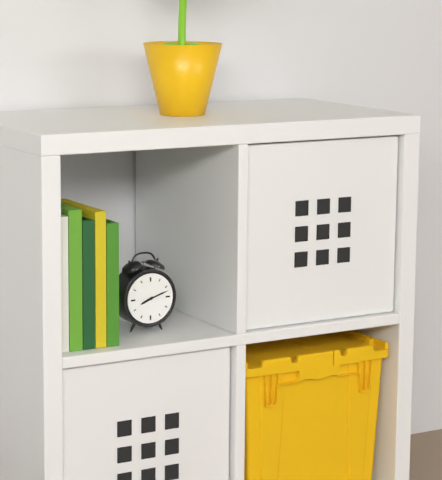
8:12
